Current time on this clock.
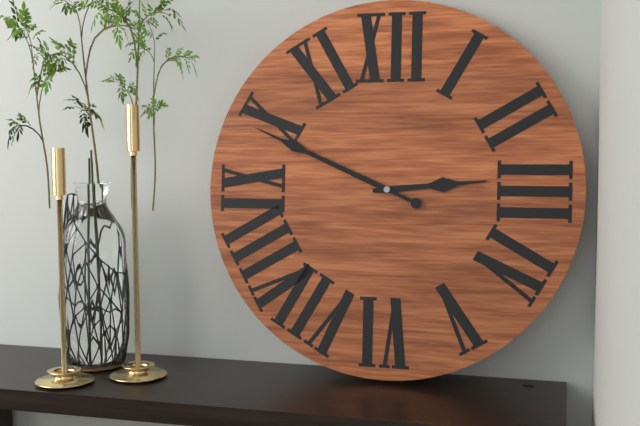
2:49
